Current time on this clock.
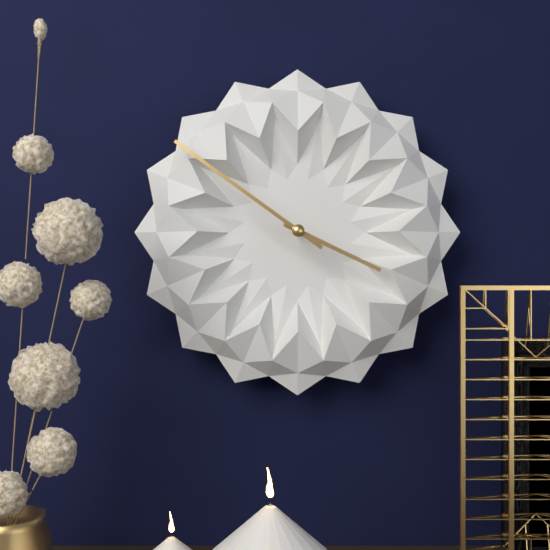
3:51
